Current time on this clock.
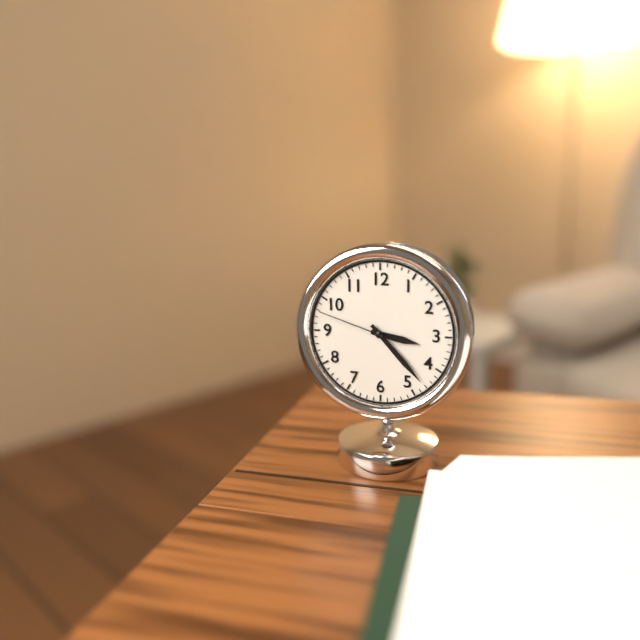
3:23:48
